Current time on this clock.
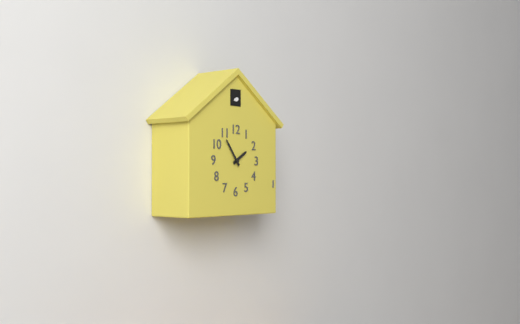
1:54
